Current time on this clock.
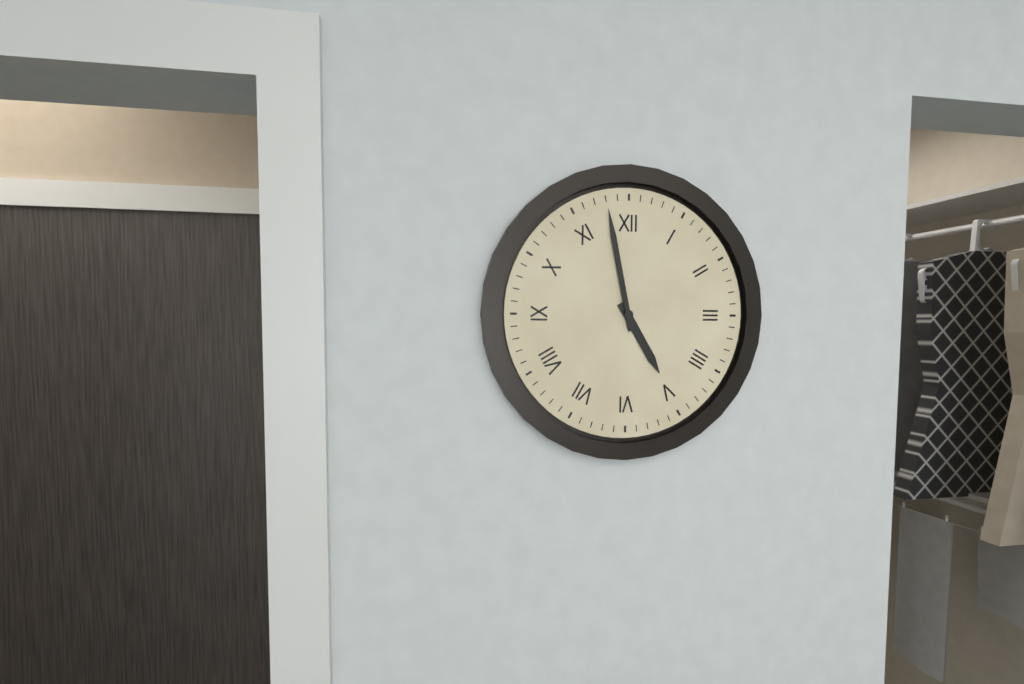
4:58
